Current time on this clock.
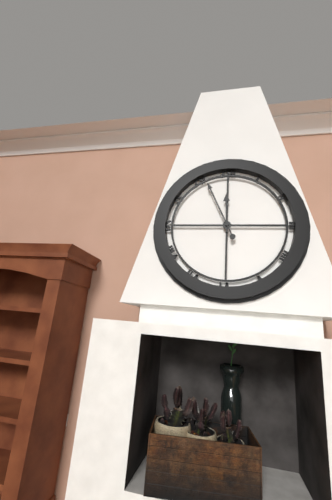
11:56
